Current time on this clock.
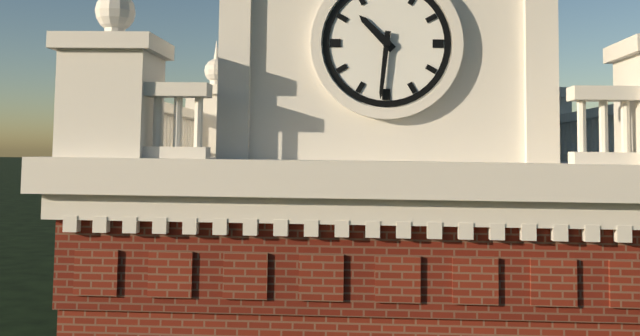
10:31
